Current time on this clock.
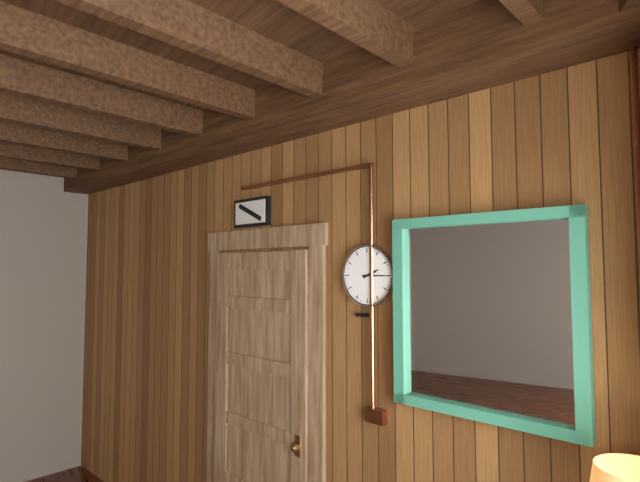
2:15
